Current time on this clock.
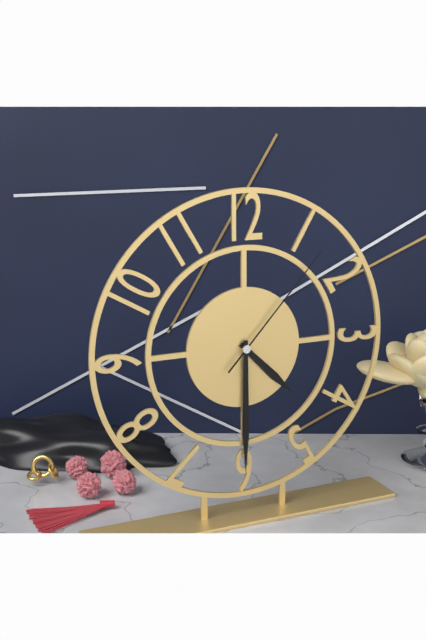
4:30:07
